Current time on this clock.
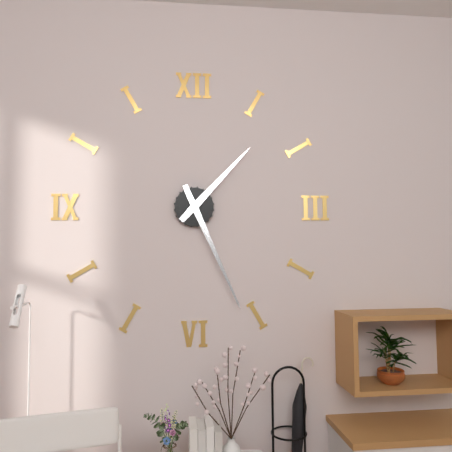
1:26
